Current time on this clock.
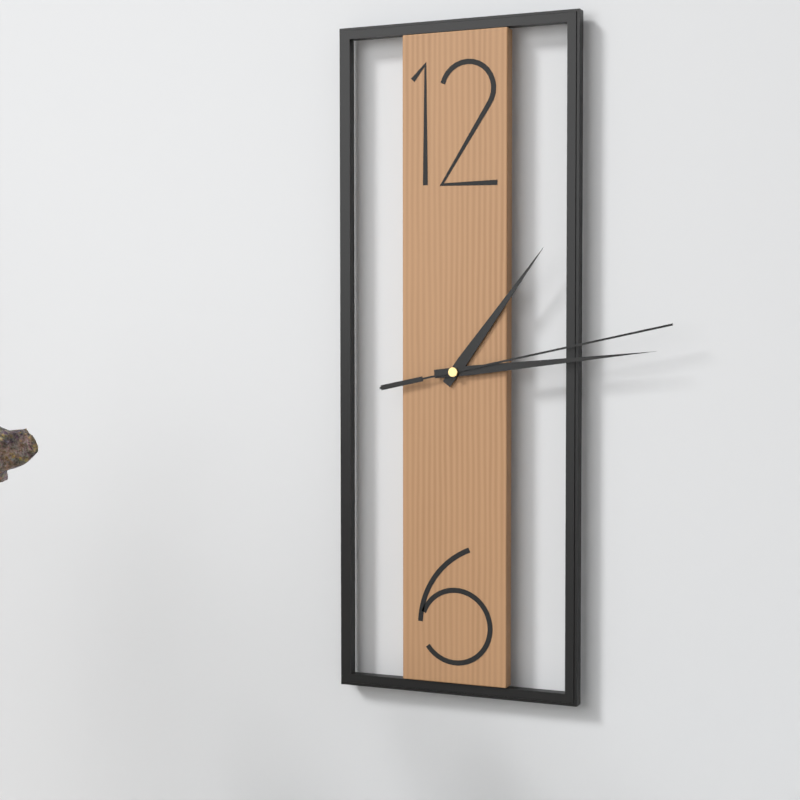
1:14:13
